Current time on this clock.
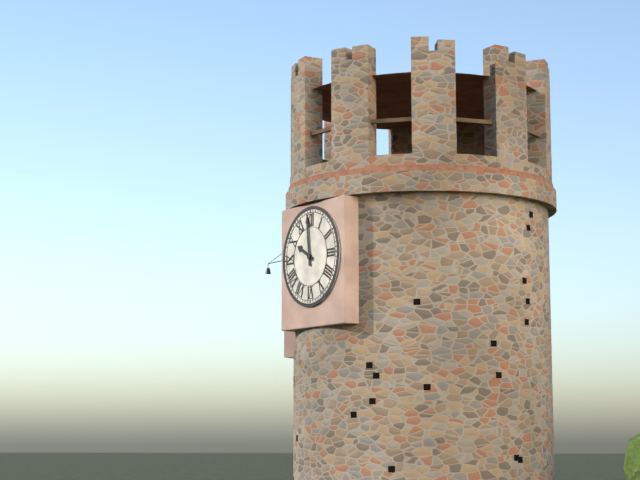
9:59
